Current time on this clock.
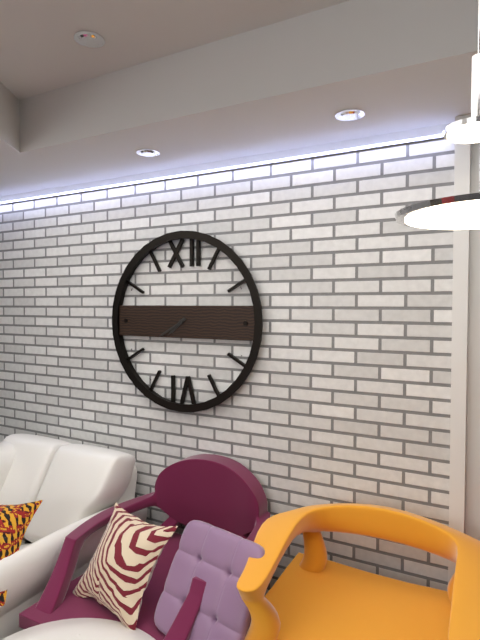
7:40
